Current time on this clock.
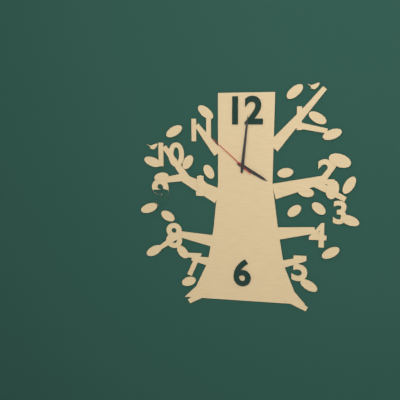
4:01:52
